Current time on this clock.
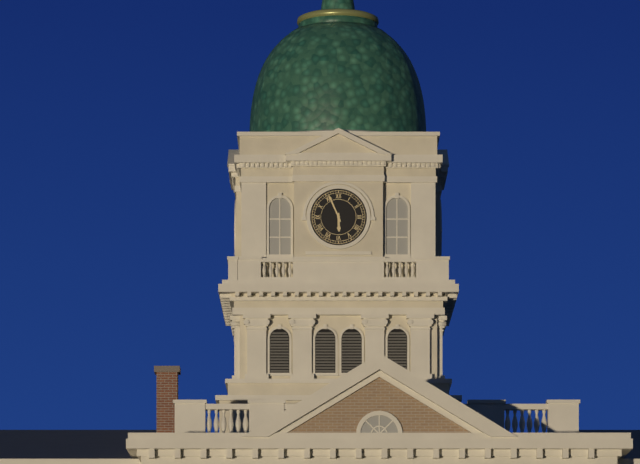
5:56
